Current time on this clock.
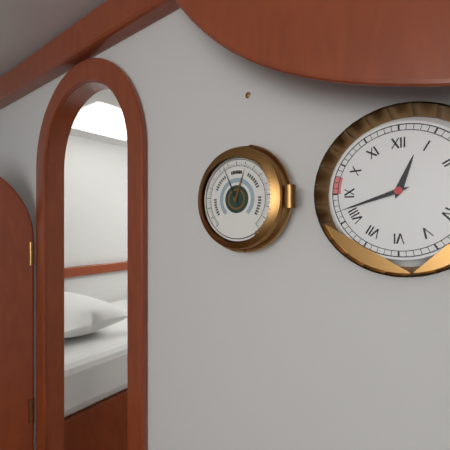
12:42
